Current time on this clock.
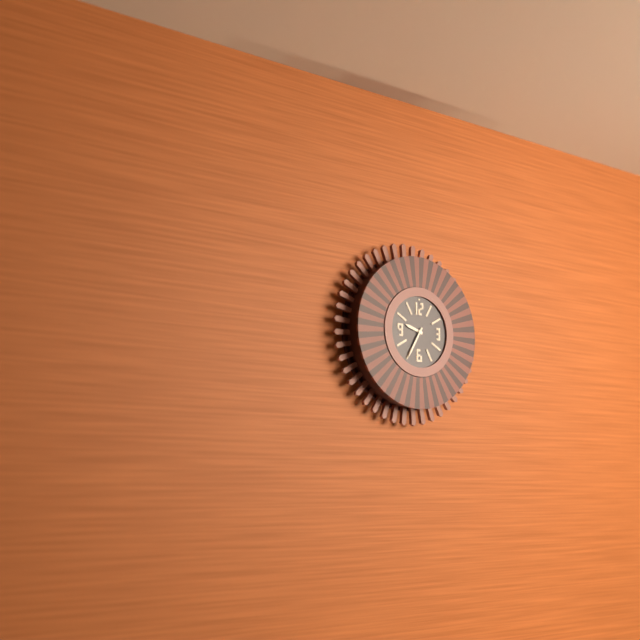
9:35
